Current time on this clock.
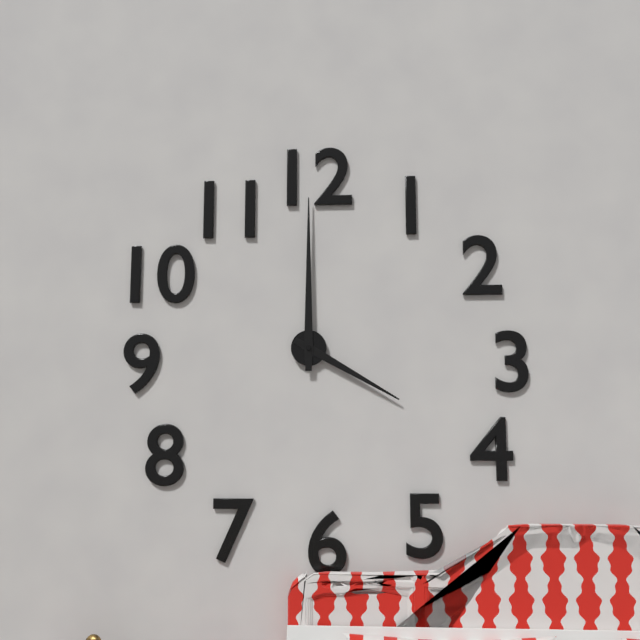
4:00
